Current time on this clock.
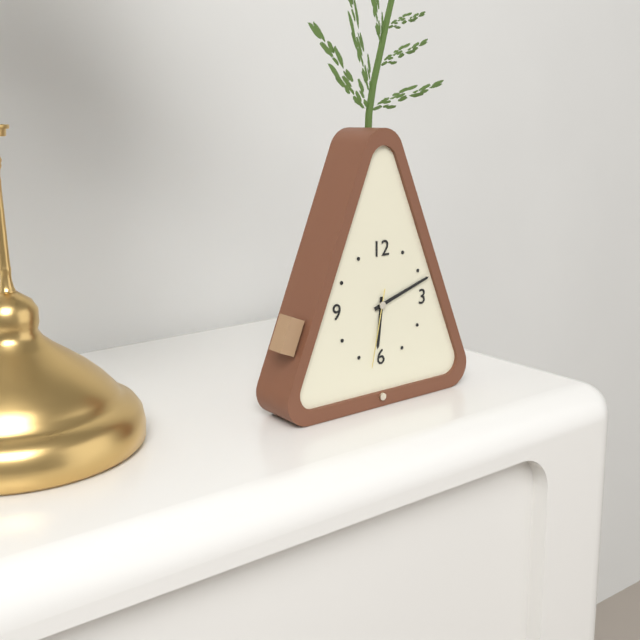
6:12:32
